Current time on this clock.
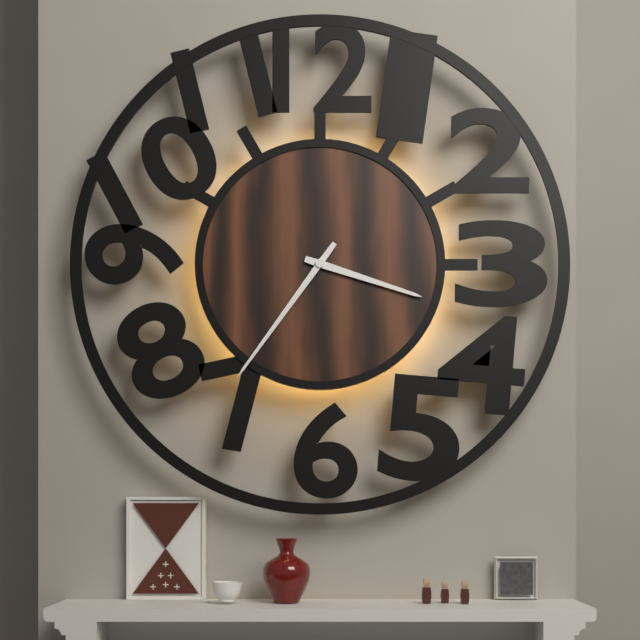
3:36
